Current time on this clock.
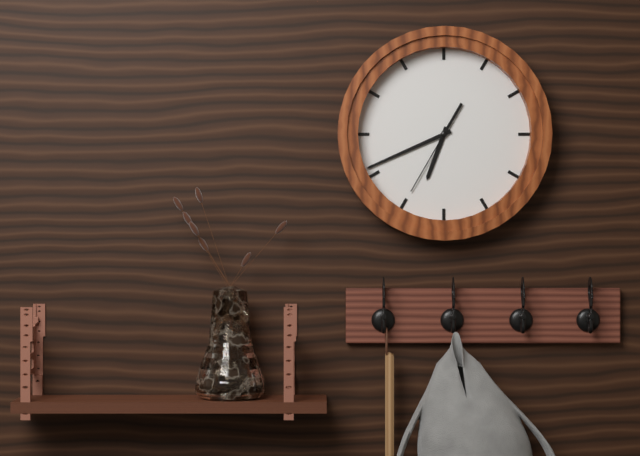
6:41:35
